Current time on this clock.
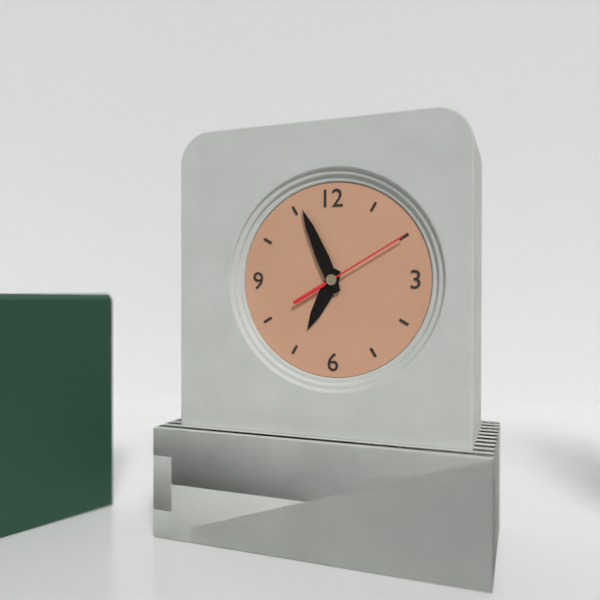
6:56:10
